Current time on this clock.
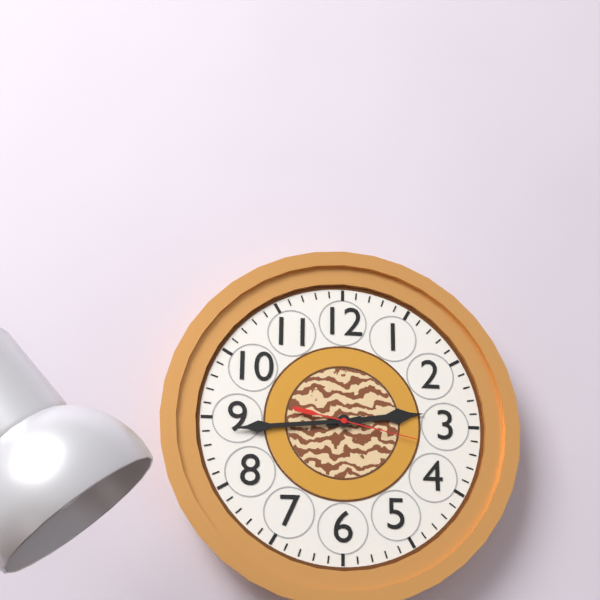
2:44:17
